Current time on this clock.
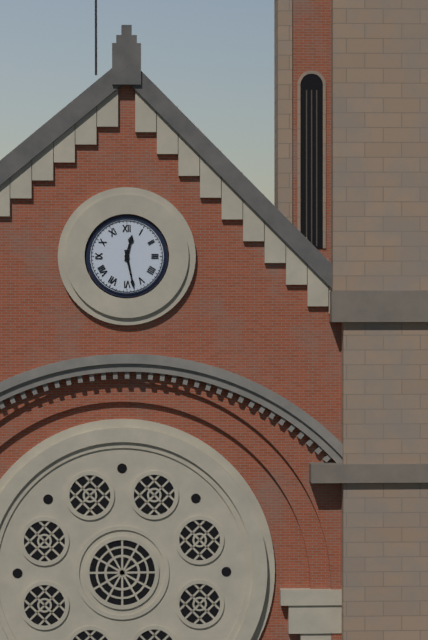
12:28
